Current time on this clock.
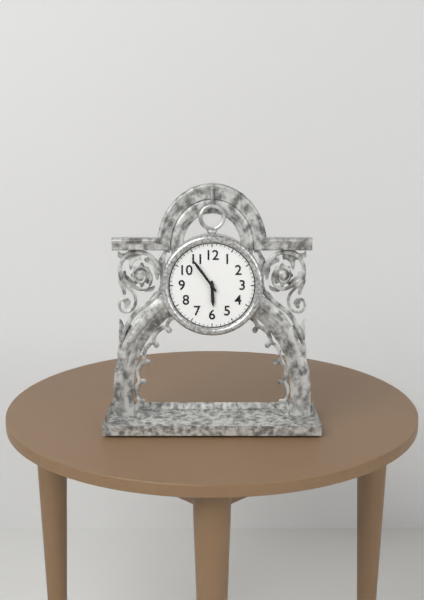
5:54
